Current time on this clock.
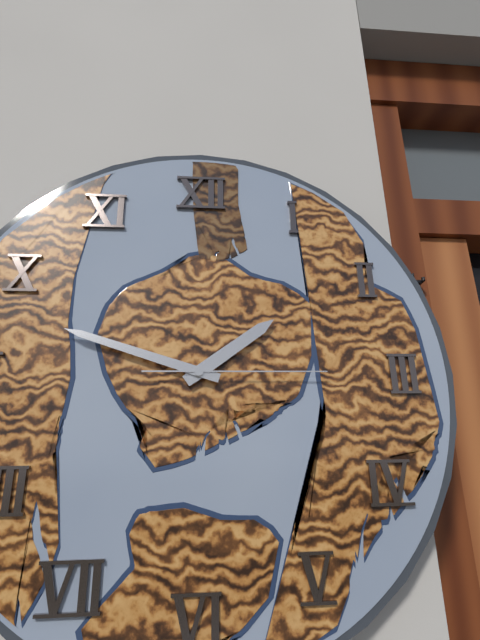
1:48:15
